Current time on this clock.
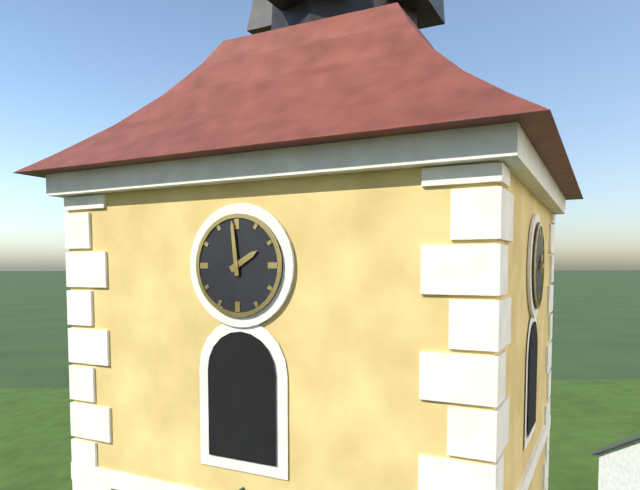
1:59
